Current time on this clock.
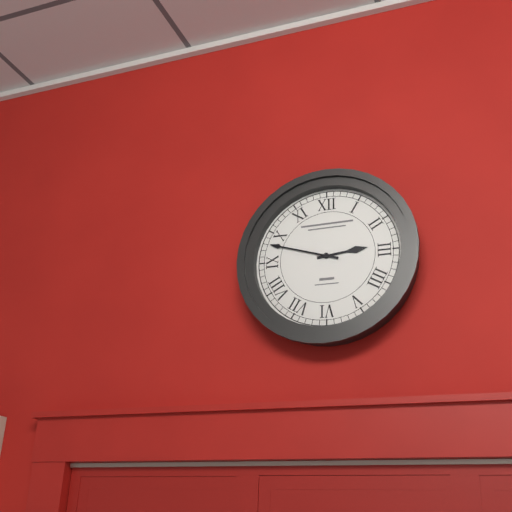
2:48
